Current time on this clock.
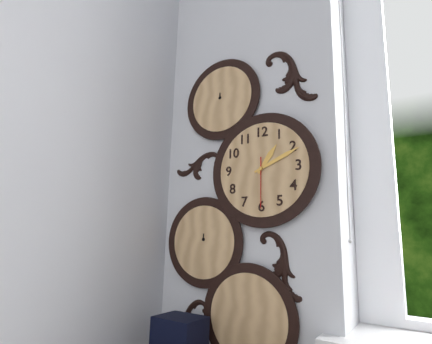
1:11:30
